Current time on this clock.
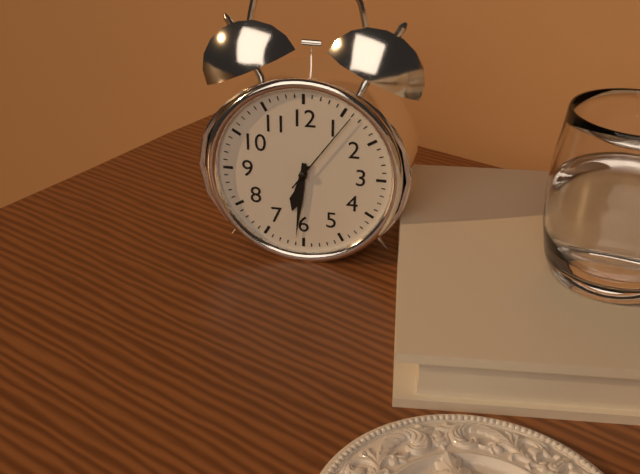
6:31:06
